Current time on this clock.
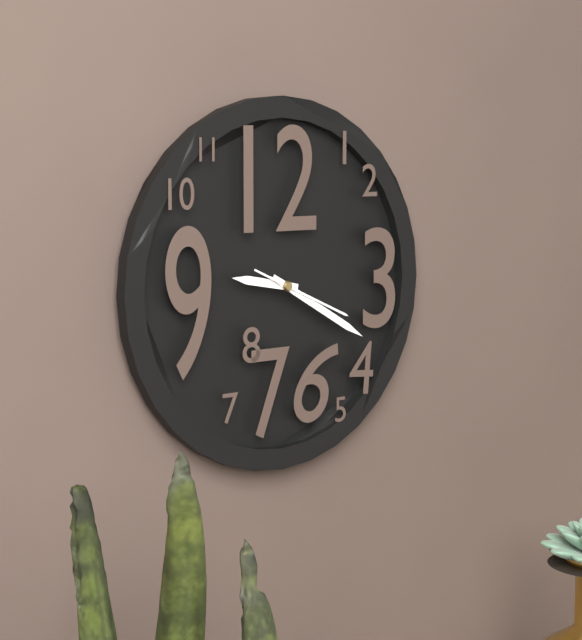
9:20:19
